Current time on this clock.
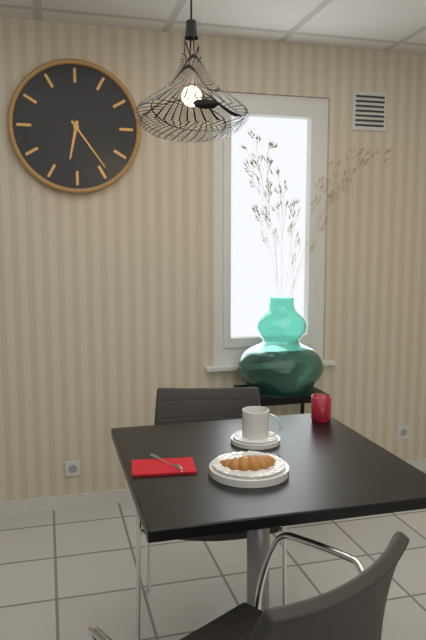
6:24
